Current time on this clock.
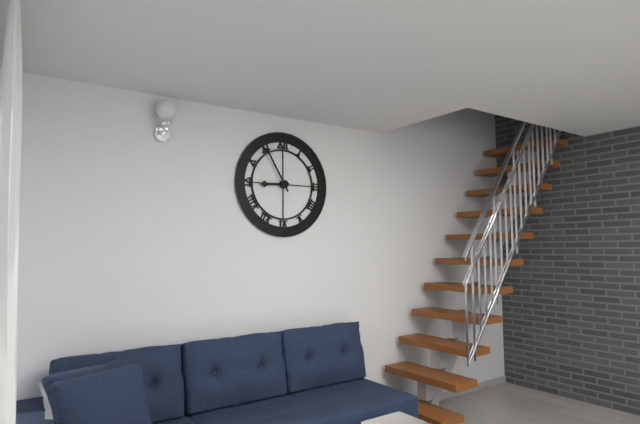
8:55
